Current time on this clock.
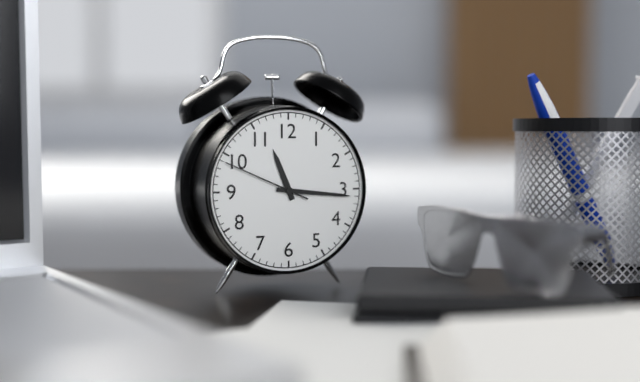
11:16:49
